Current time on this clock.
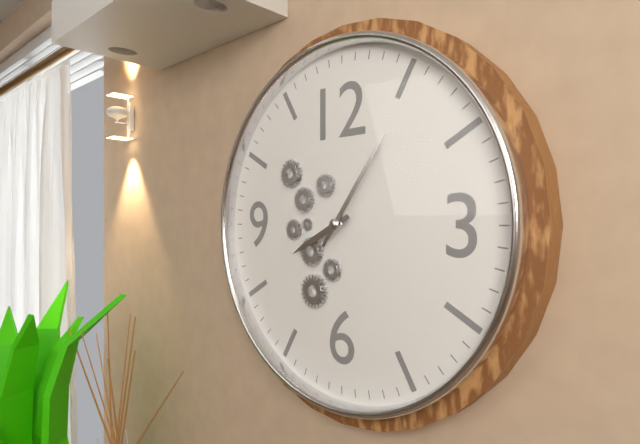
8:06
